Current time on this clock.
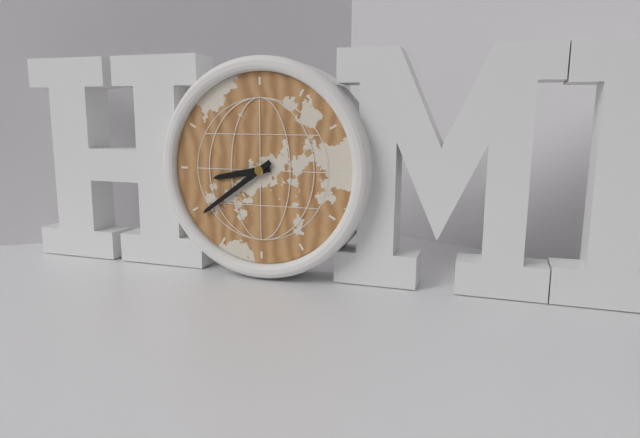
8:39
